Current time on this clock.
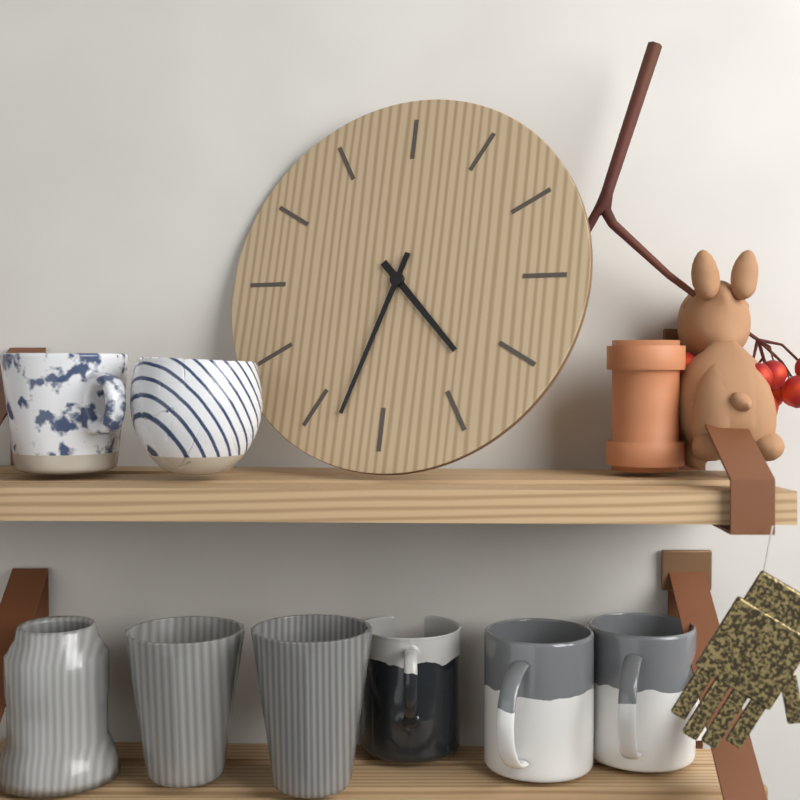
4:33
